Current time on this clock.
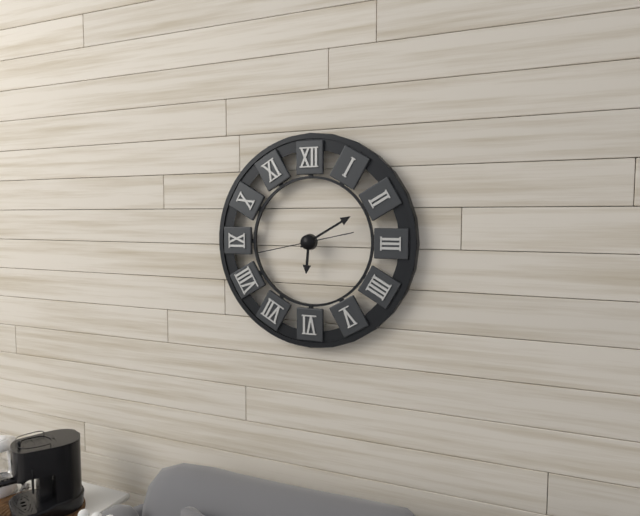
6:10:43
